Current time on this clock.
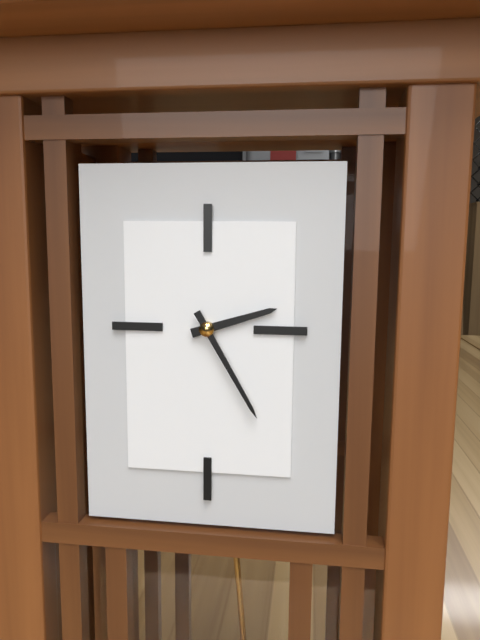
2:25
